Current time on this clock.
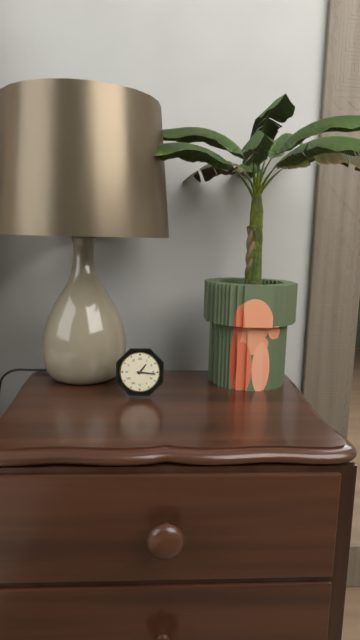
1:16
